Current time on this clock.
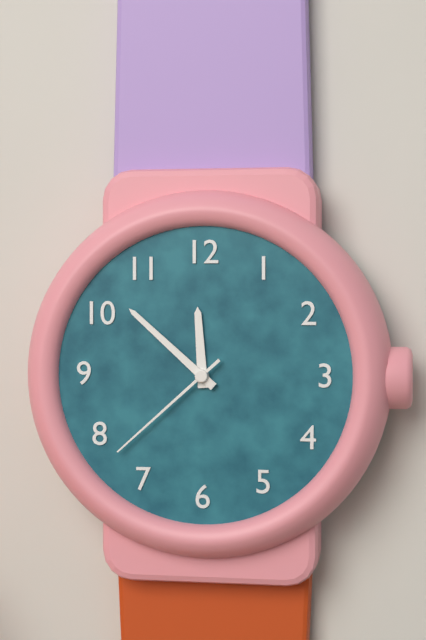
11:52:38
